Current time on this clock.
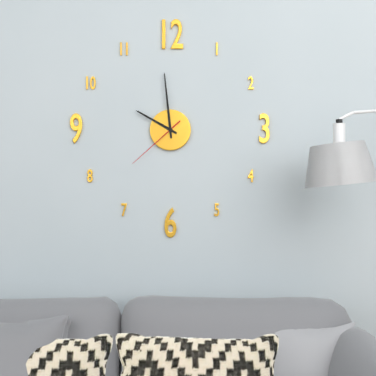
9:59:38
